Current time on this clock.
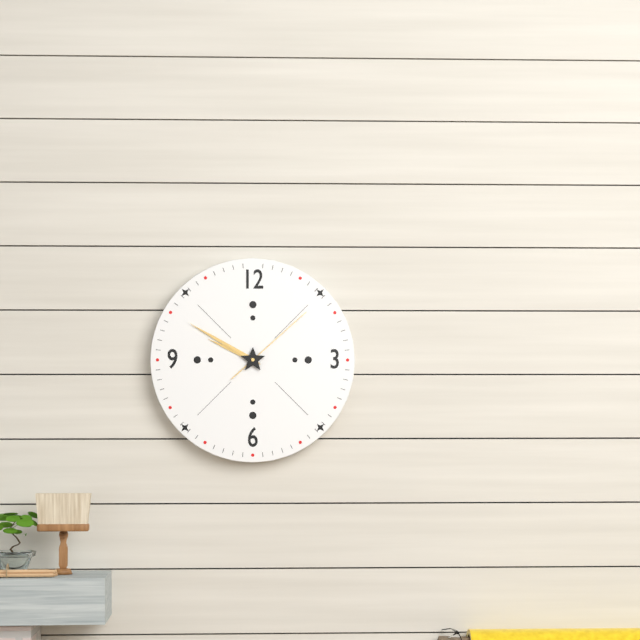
9:50:08
